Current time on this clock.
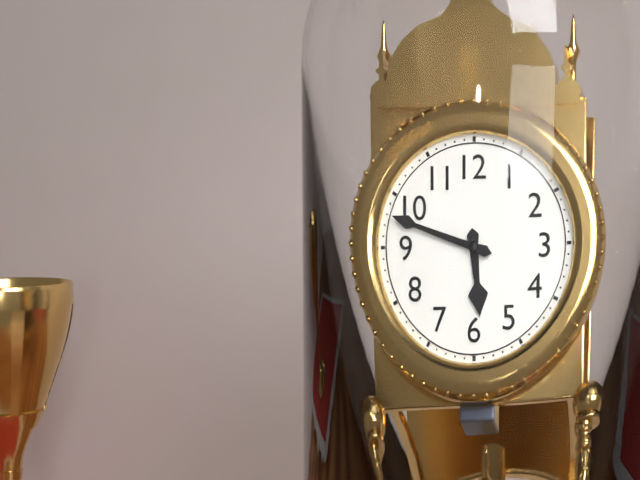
5:48
